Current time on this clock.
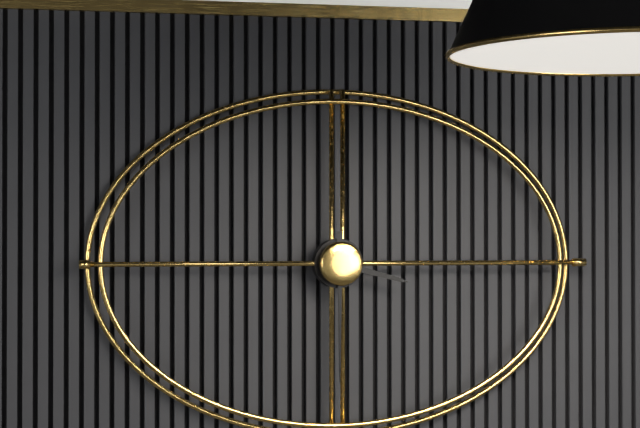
3:30
